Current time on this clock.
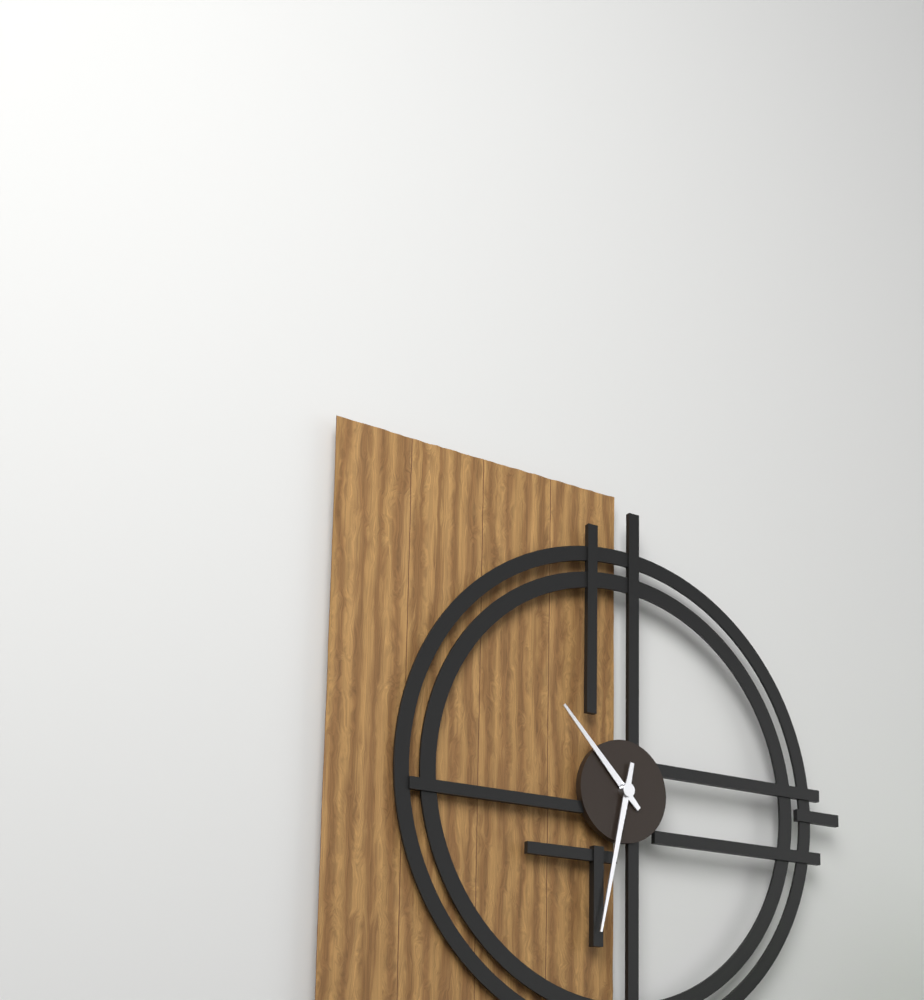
10:32
